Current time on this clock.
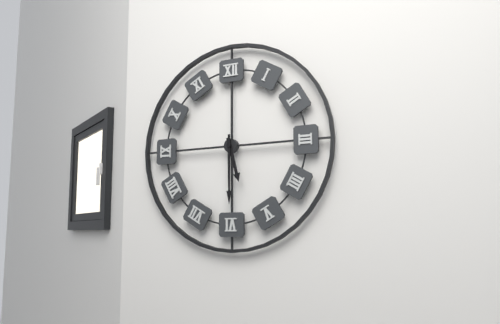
5:30
